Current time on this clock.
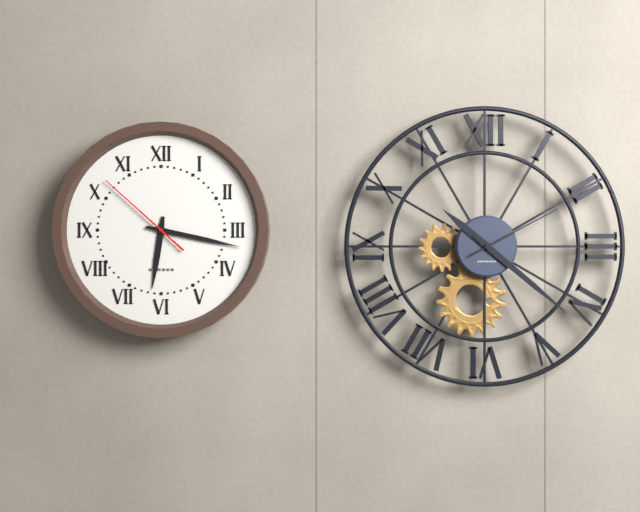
6:17:52
